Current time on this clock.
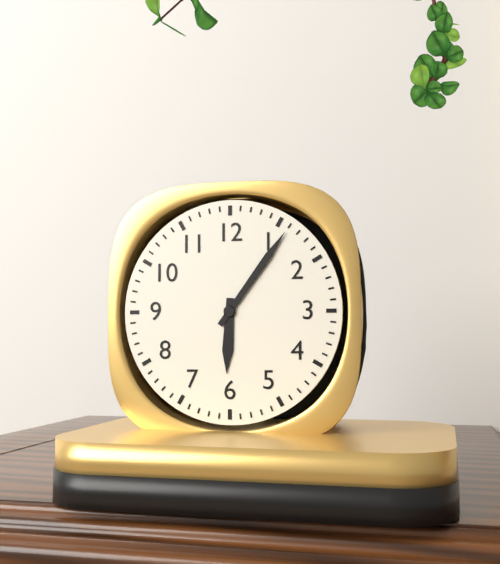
6:06
